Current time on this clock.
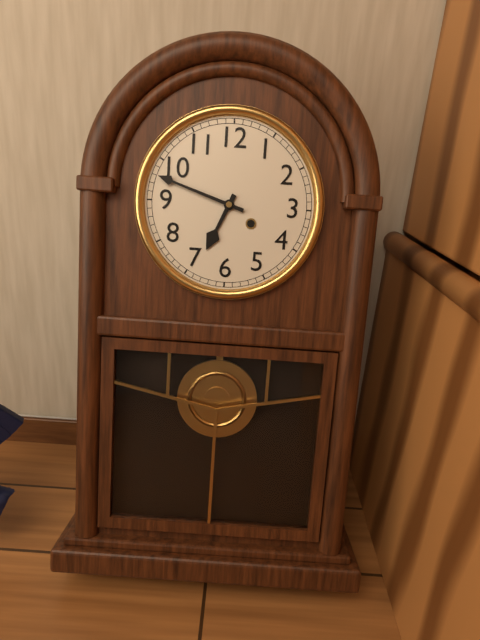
6:48
